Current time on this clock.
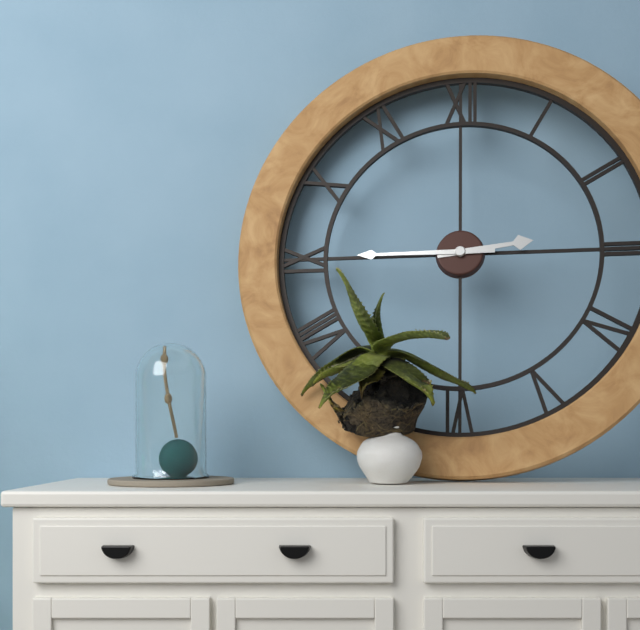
2:45
